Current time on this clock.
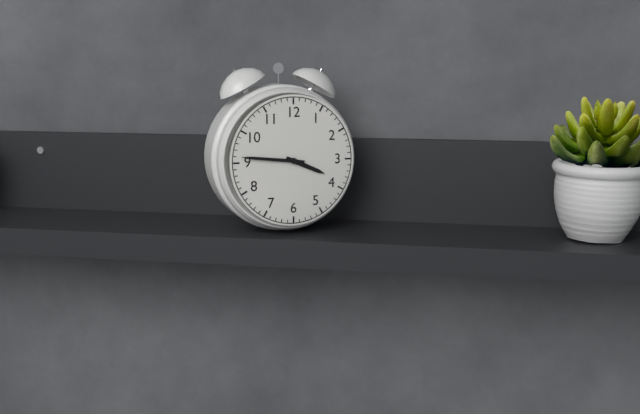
3:46
